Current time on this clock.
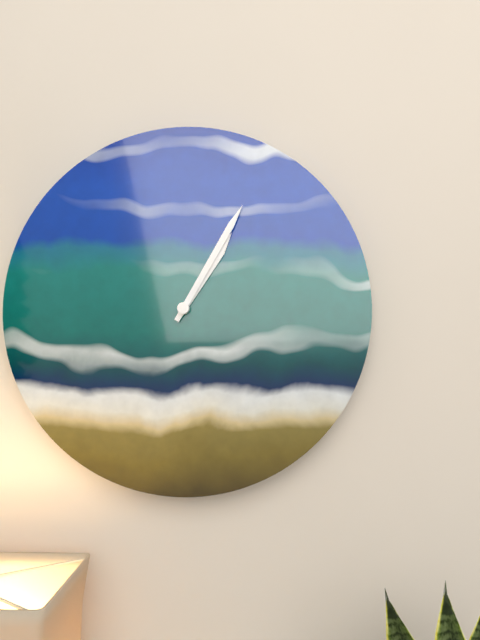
1:05
